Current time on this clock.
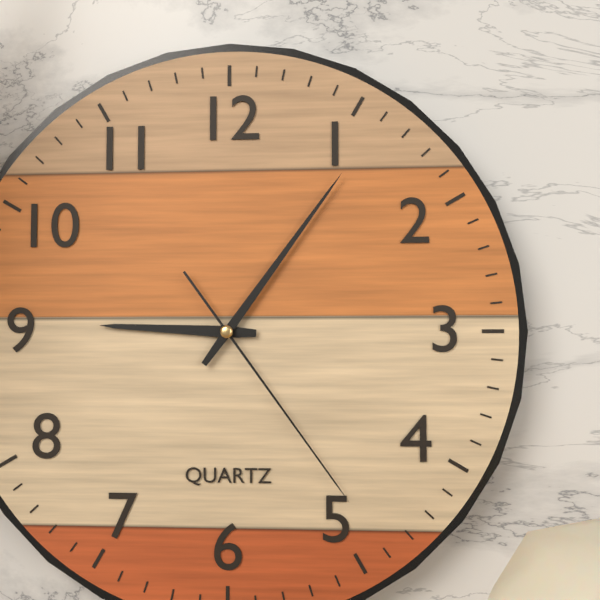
9:06:24
